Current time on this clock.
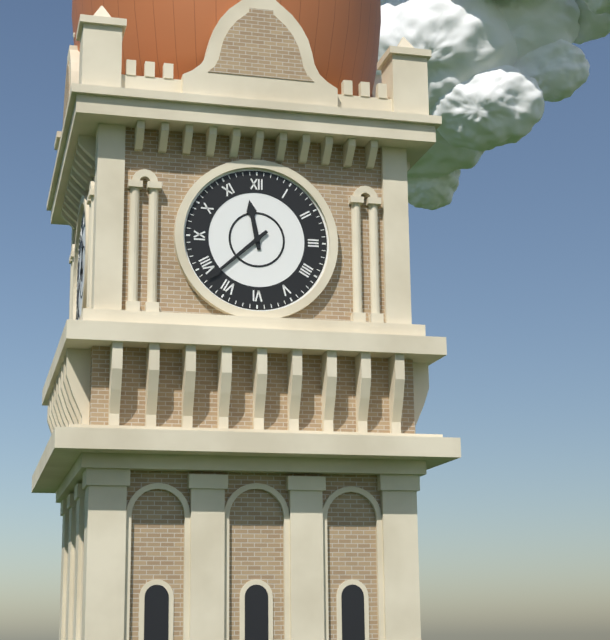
11:38
